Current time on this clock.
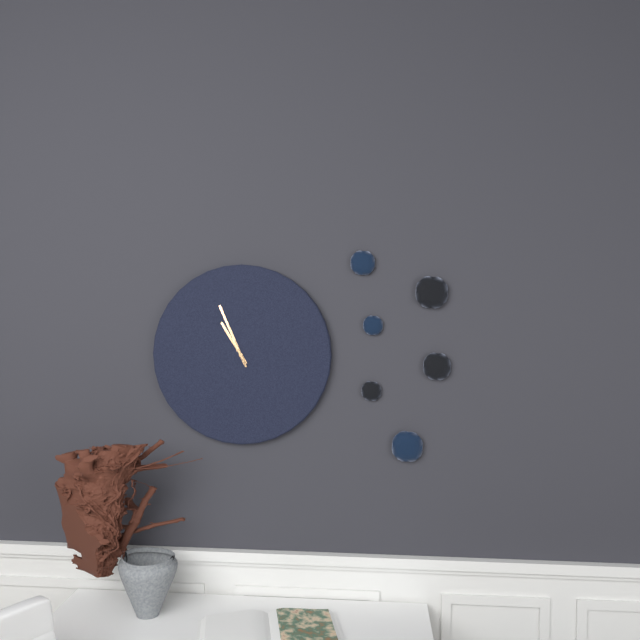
10:56
